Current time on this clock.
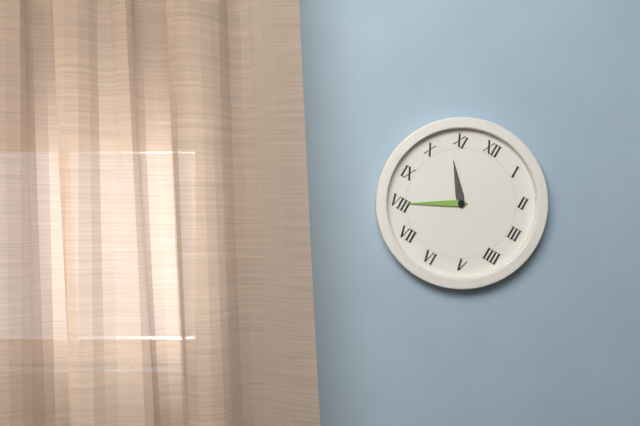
10:40
